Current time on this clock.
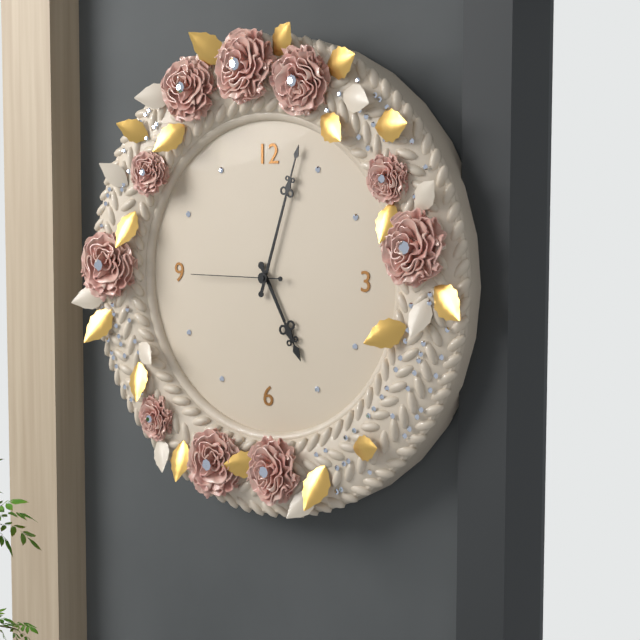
5:03:45
